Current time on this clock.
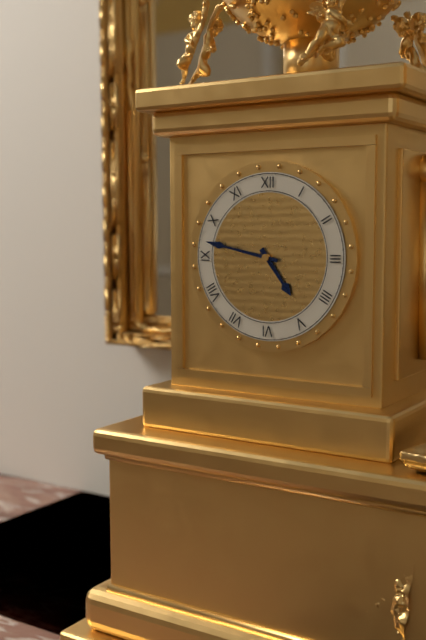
4:47
